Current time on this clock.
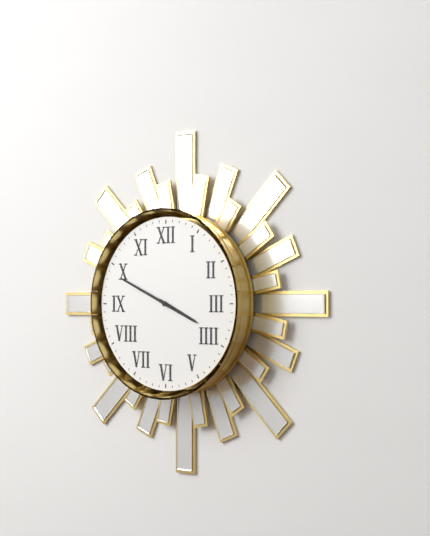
3:49
